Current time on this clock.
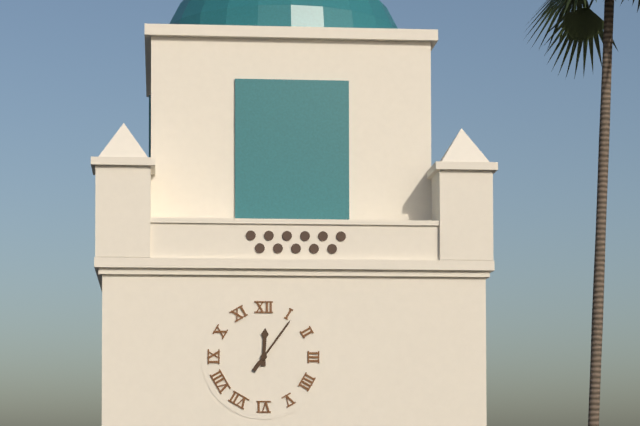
12:06
